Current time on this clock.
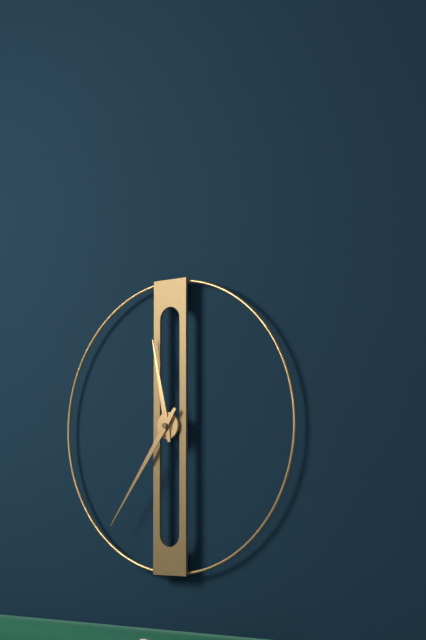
11:36
